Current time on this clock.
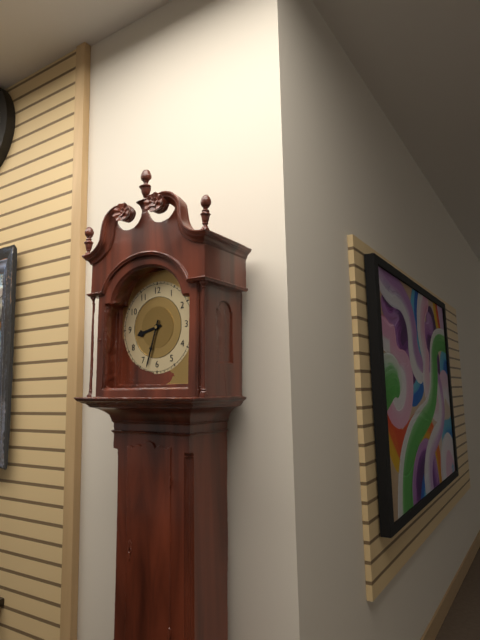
8:33
